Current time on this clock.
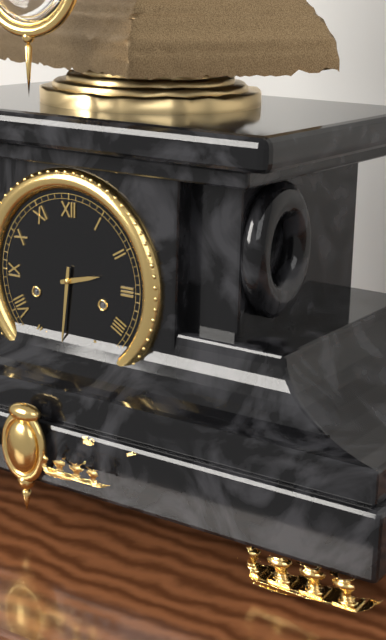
2:31
